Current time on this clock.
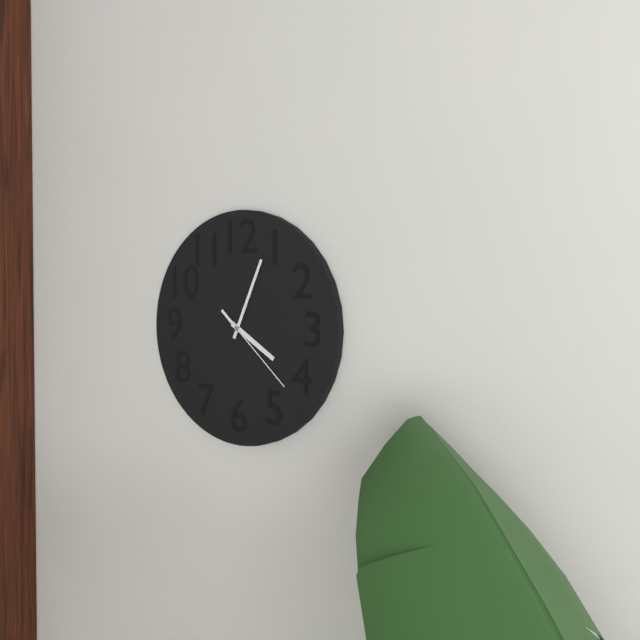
4:04:22
